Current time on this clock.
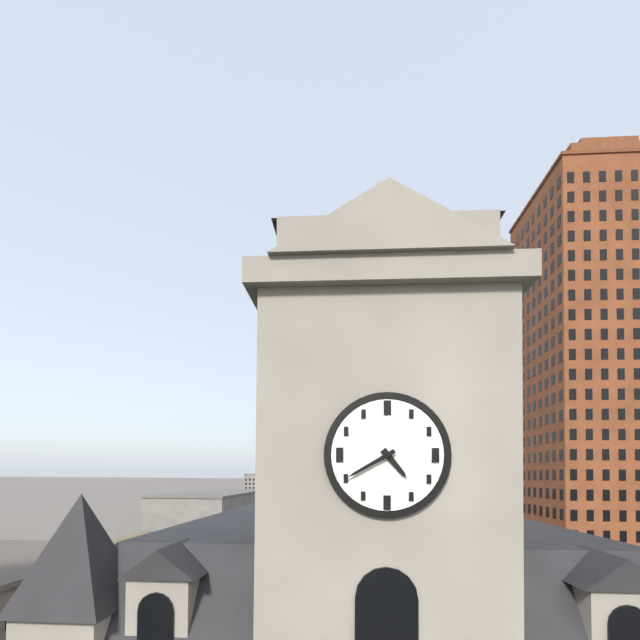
4:40
